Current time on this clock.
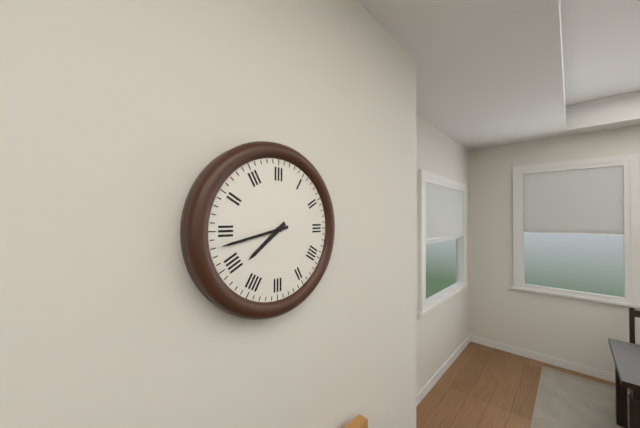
7:43
